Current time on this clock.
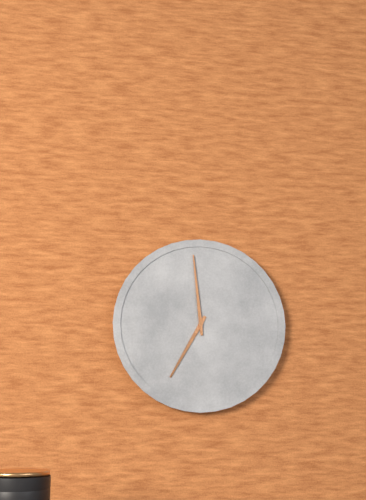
6:59
